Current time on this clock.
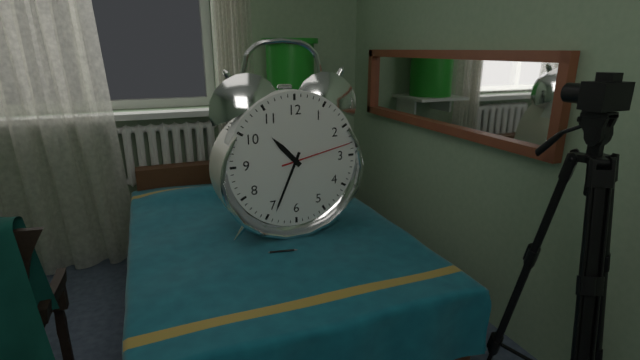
10:34:13
